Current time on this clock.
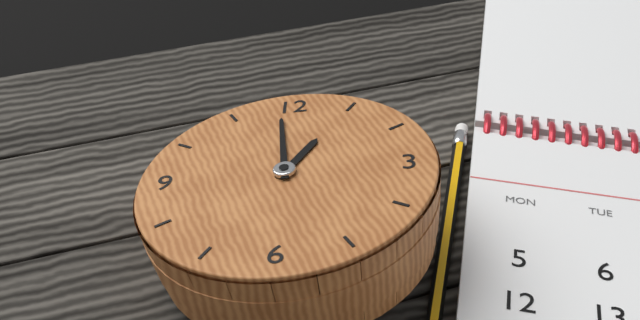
12:59
